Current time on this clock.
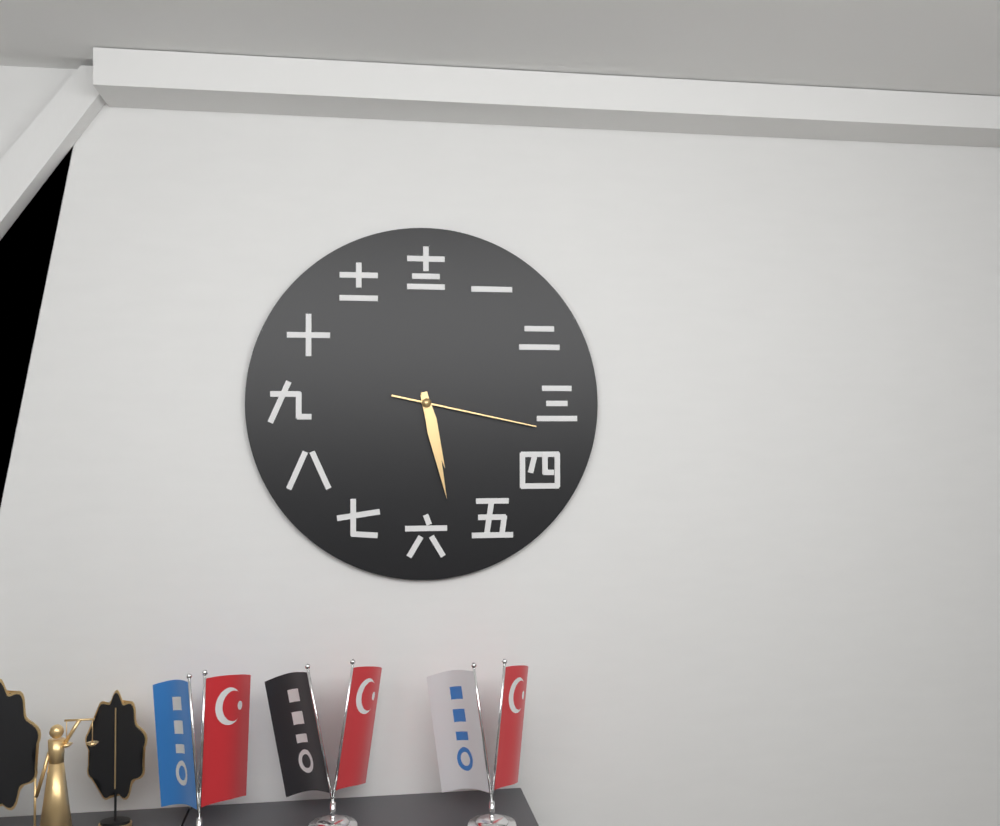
5:28:17
